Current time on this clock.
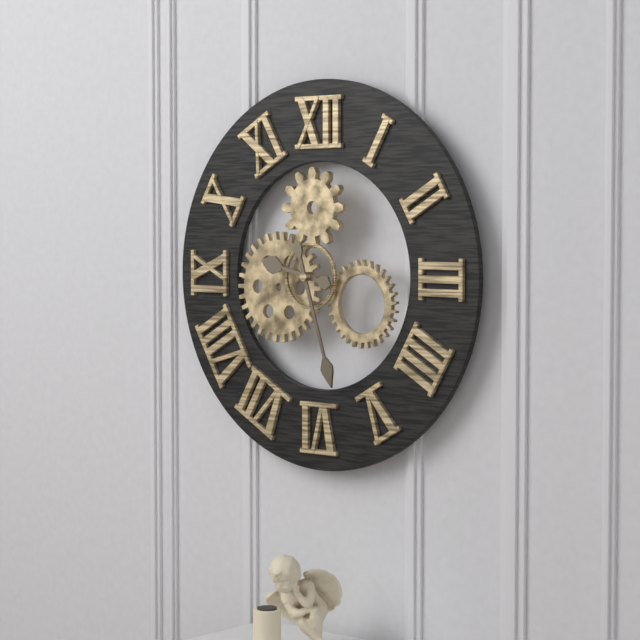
9:27
